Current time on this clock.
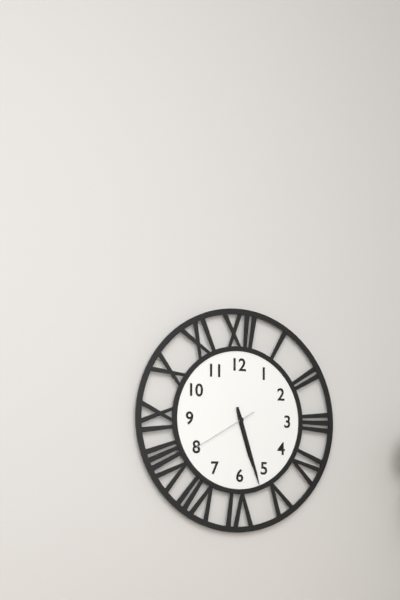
5:27:40
